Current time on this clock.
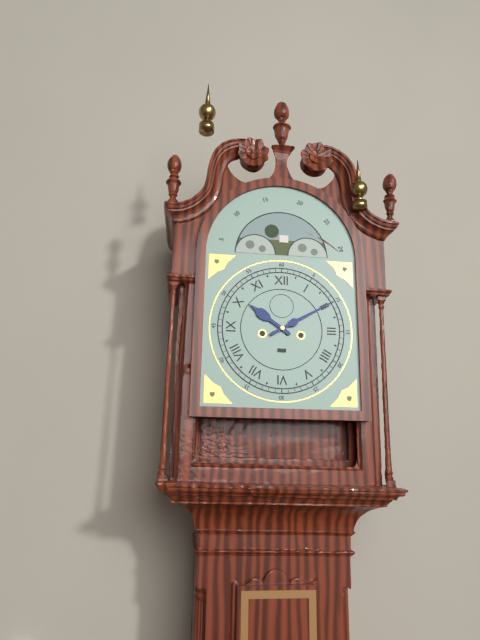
10:10
